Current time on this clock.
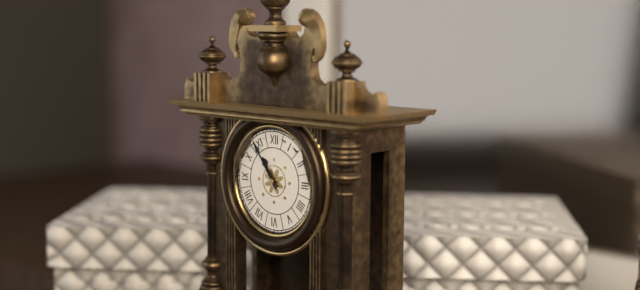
10:54
